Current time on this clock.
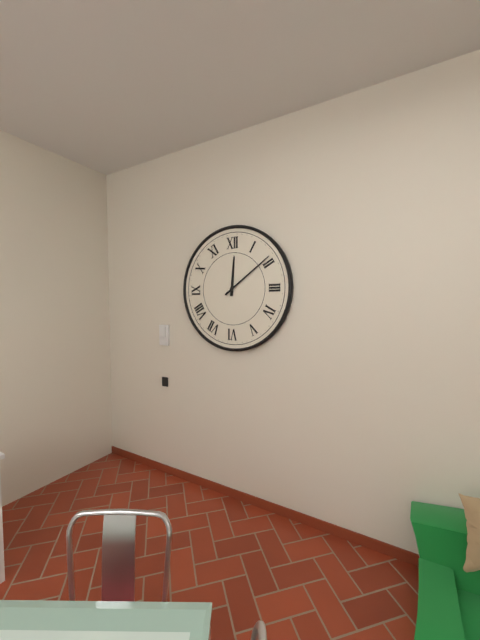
12:09
